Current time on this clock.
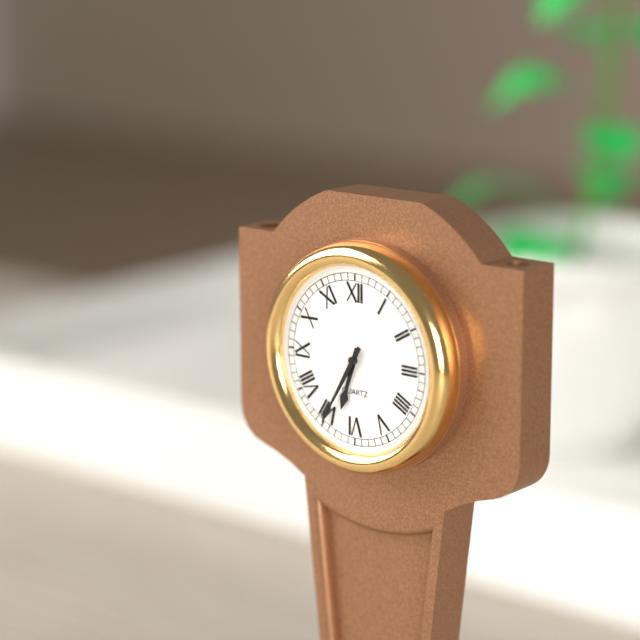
6:35
